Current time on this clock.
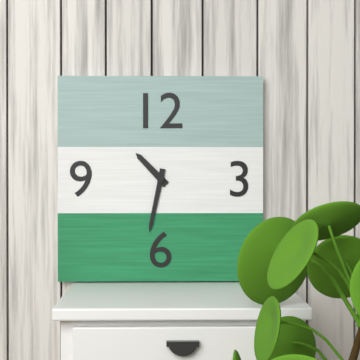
10:32
